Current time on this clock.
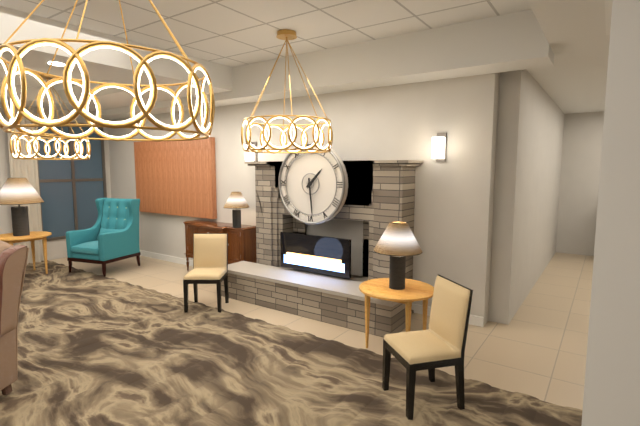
1:29
